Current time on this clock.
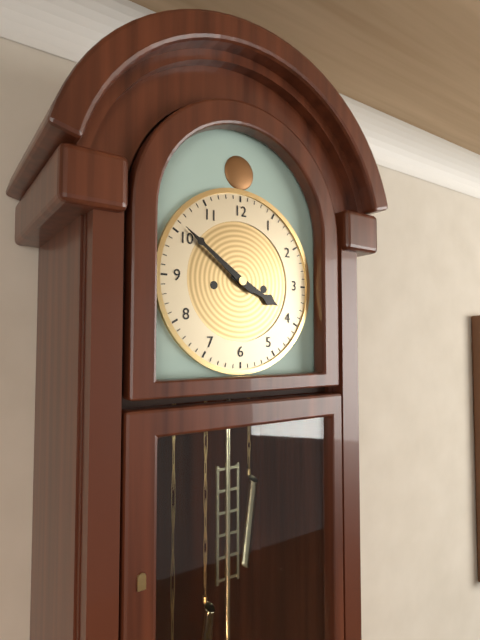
3:51
